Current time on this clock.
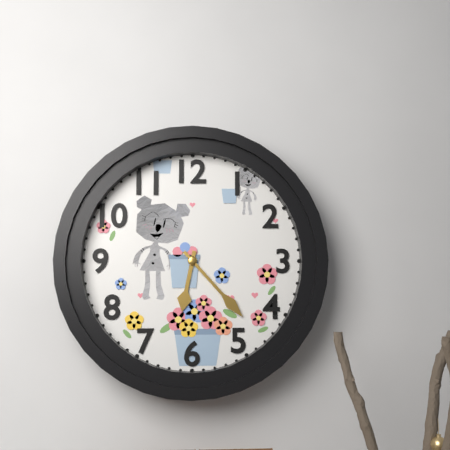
6:23
